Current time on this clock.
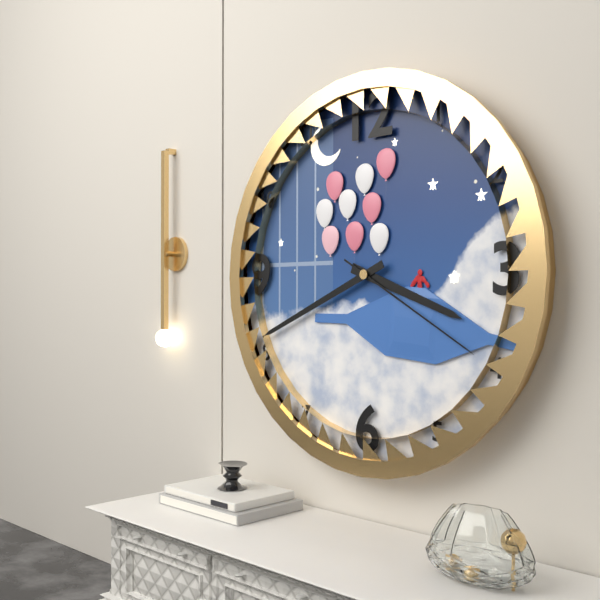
3:41:20
